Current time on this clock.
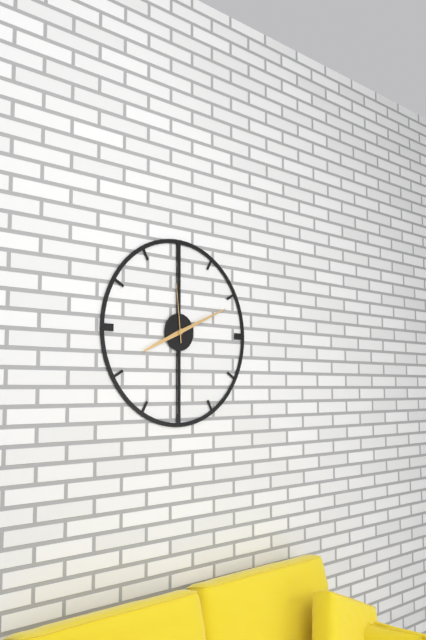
8:11:59
